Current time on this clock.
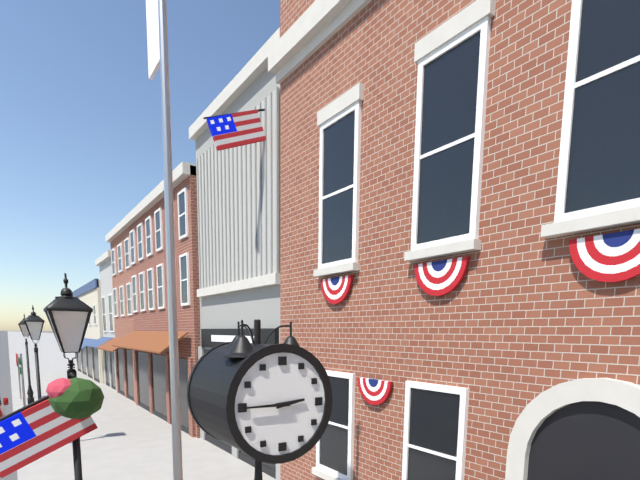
2:45
